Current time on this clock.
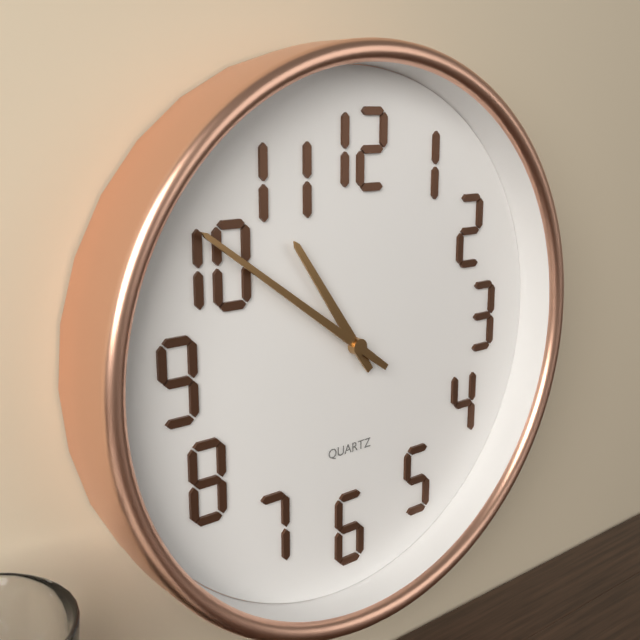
10:51
